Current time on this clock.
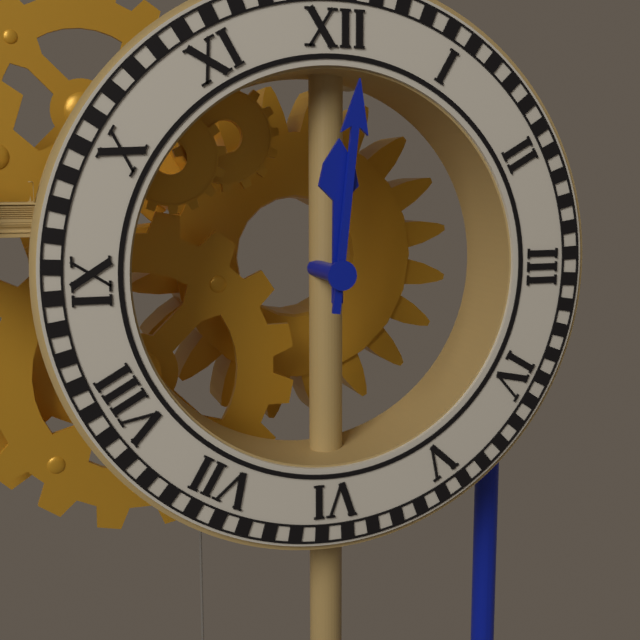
12:01
